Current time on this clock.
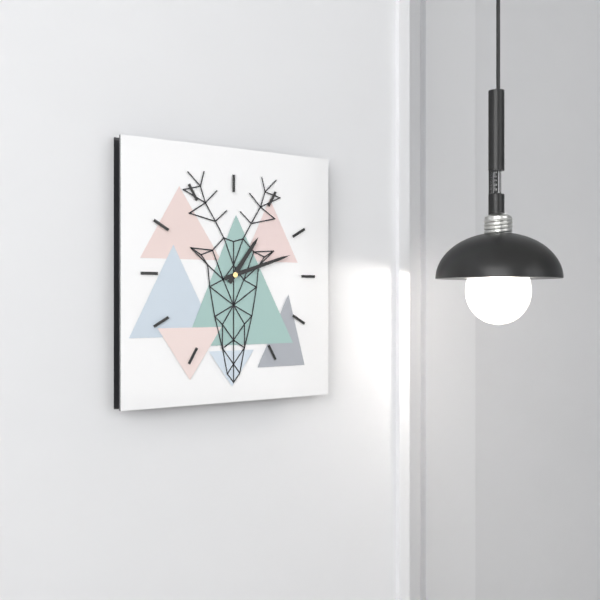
1:12
